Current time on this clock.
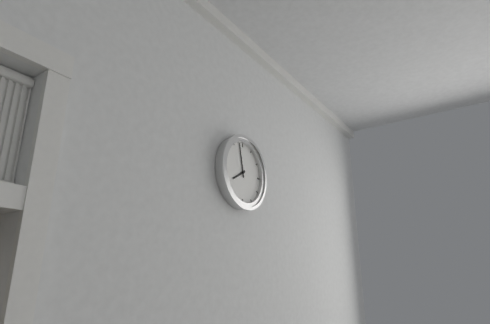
7:58
